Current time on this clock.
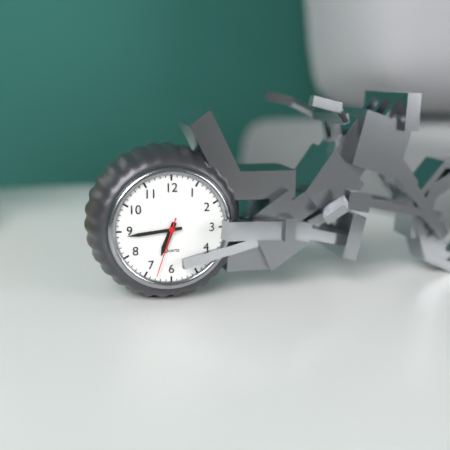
6:44:33
